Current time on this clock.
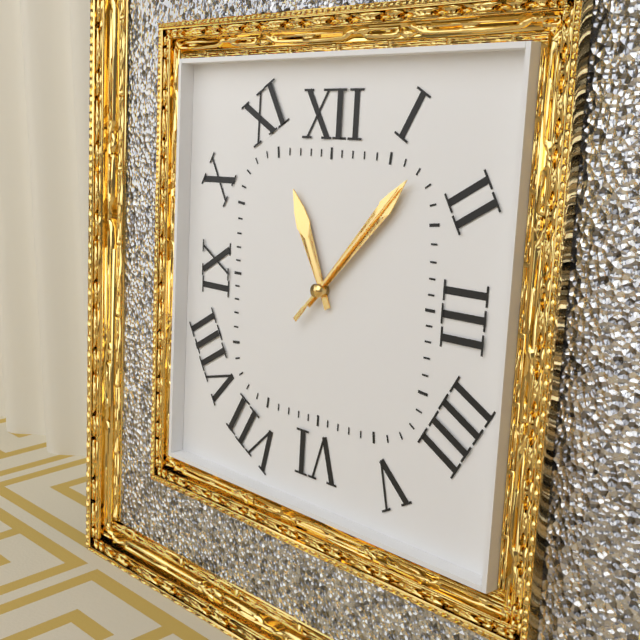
11:07:07
